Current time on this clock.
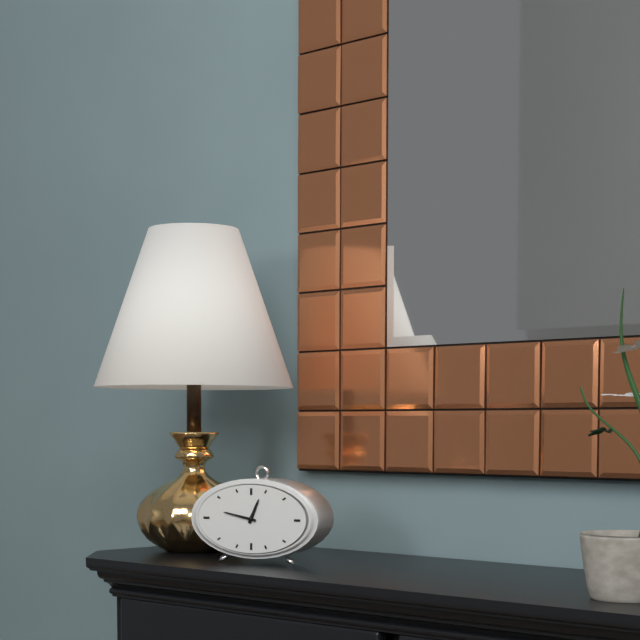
12:47
